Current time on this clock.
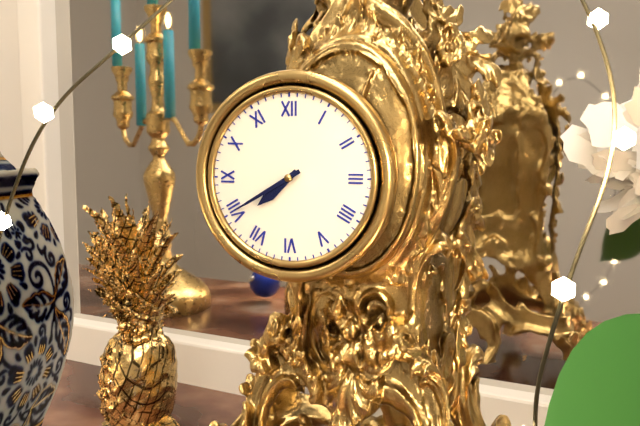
7:40
